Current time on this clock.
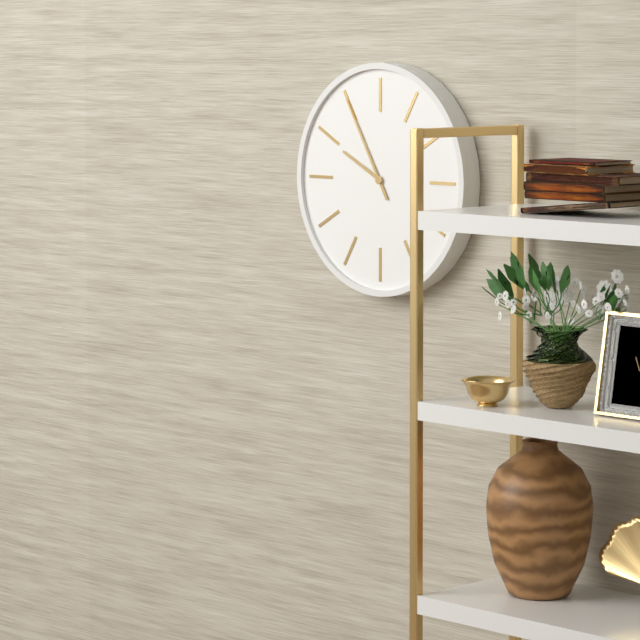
9:55
